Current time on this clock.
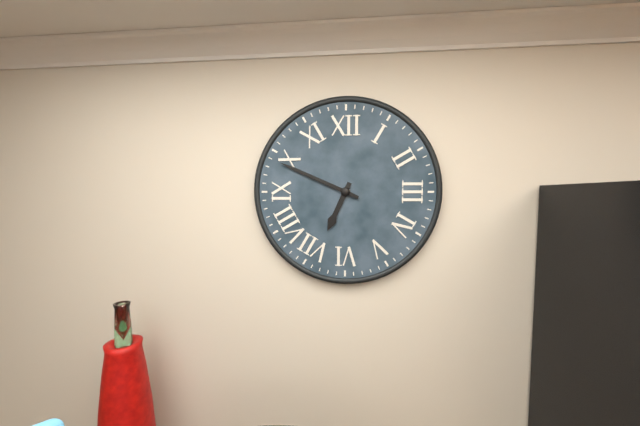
6:49
